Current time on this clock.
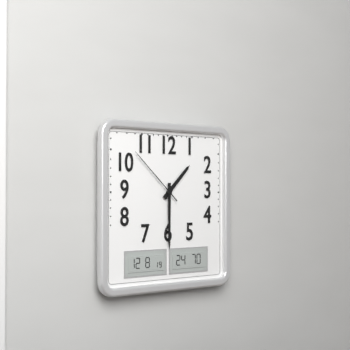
1:30:52
